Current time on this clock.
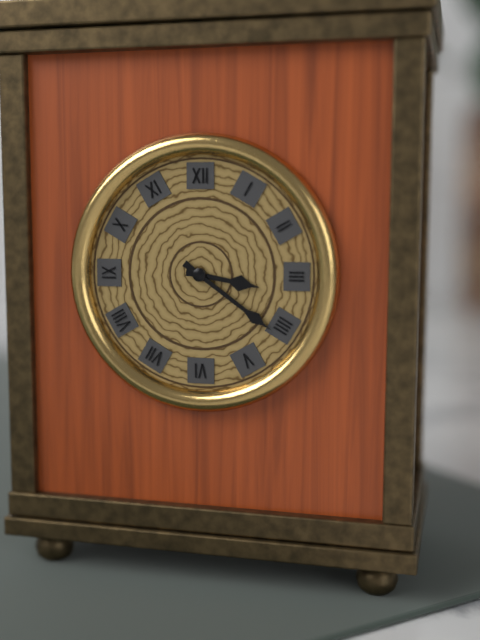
3:21
